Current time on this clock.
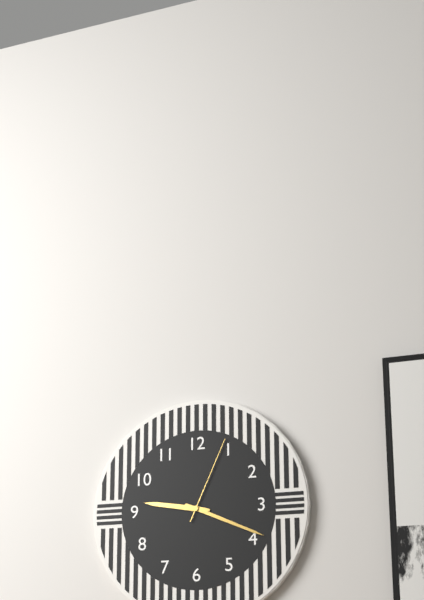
9:19:04
